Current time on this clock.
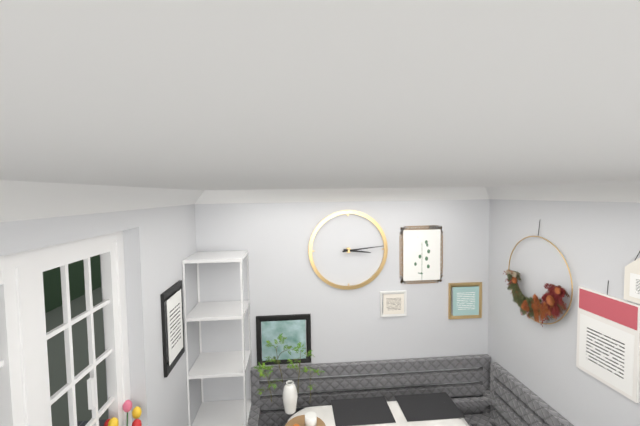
3:14
